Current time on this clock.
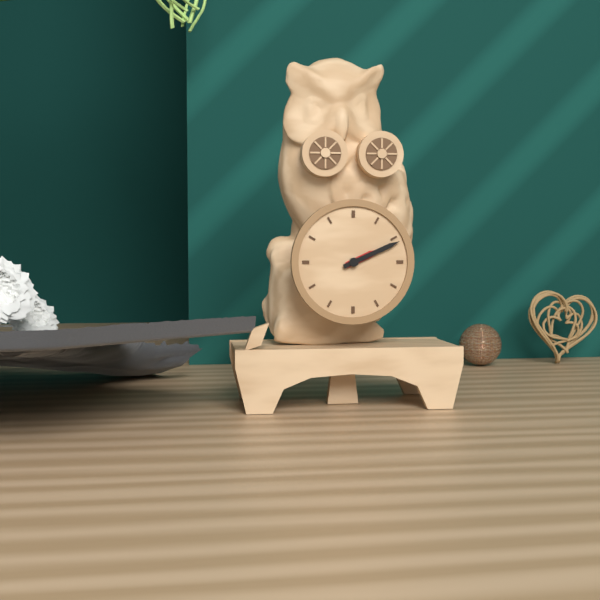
2:11
